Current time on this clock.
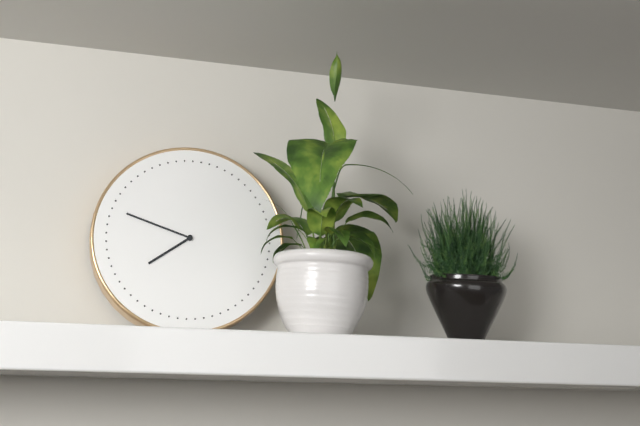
7:48
